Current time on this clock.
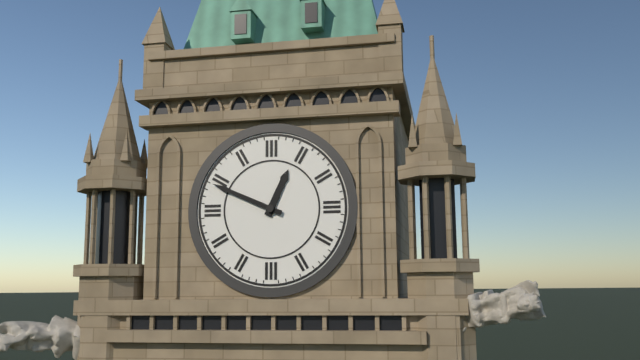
12:49
